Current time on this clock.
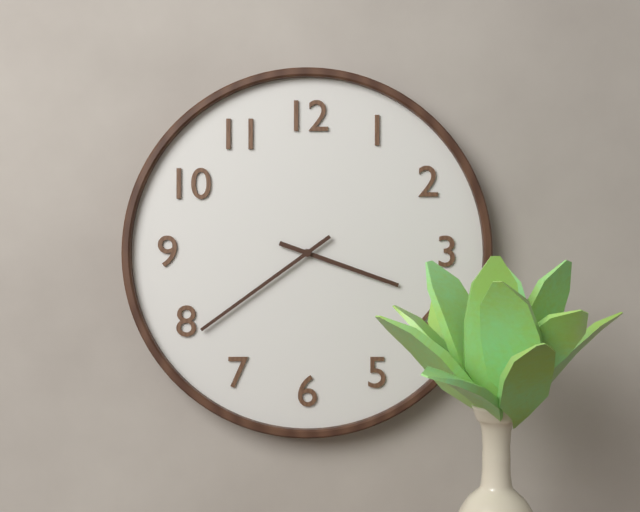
3:39
